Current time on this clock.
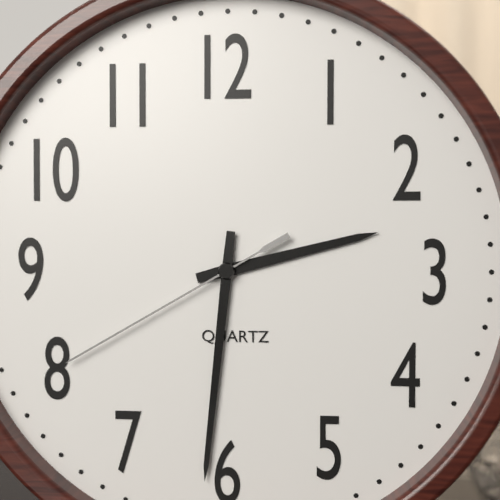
2:31:40
